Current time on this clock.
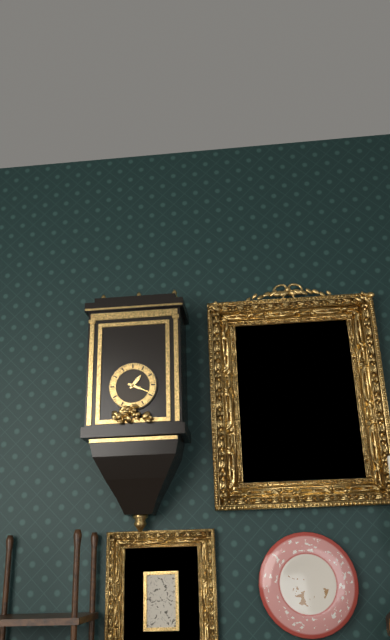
1:19
